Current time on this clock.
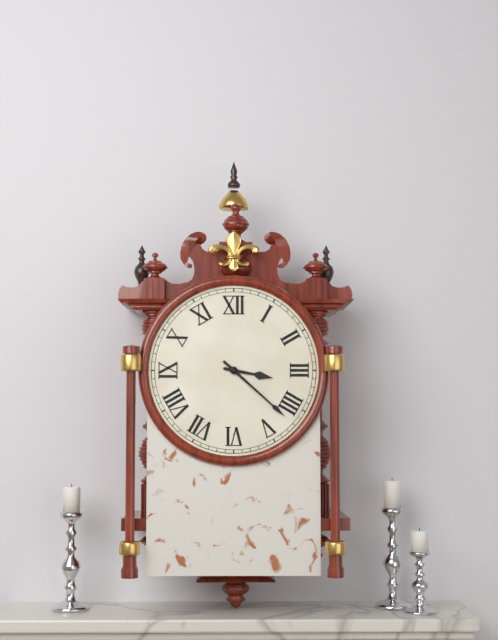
3:22
